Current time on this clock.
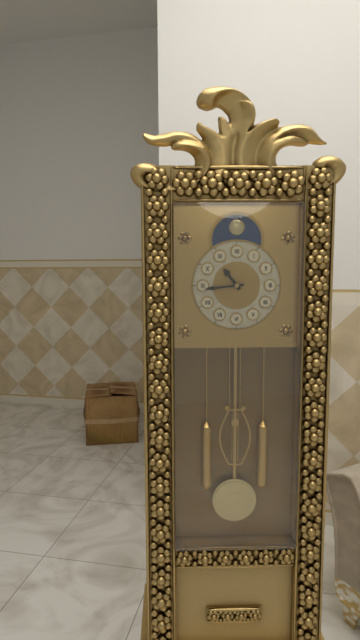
10:44
